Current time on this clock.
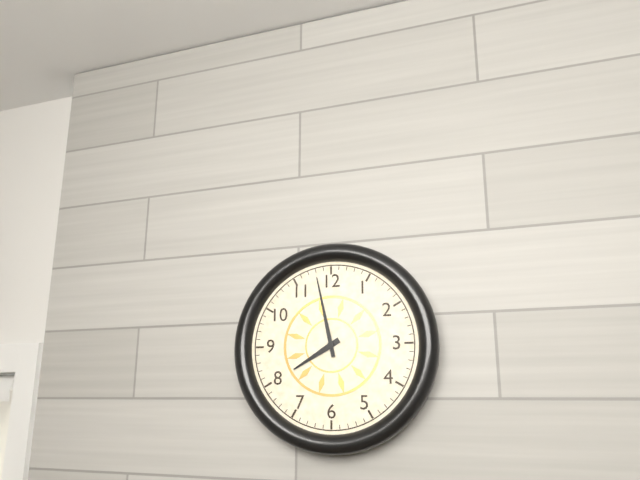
7:58
